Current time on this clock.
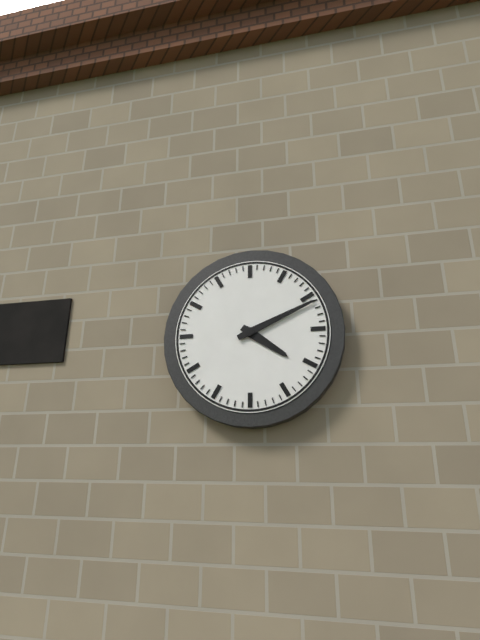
4:11
